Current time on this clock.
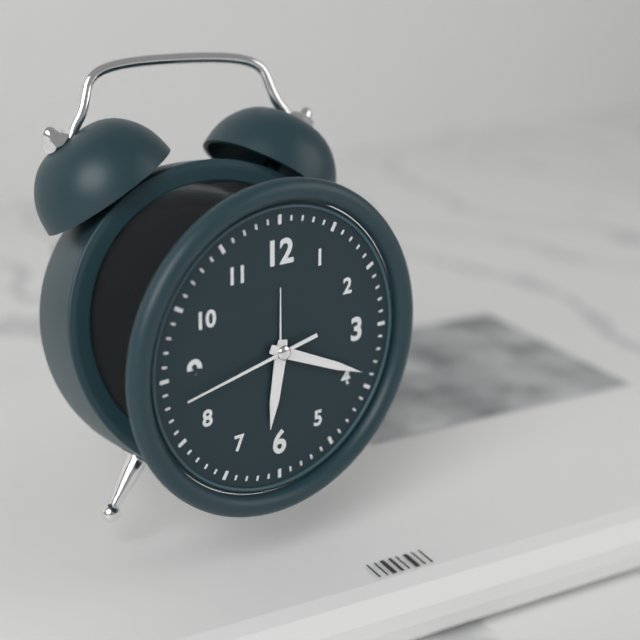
6:19:43
